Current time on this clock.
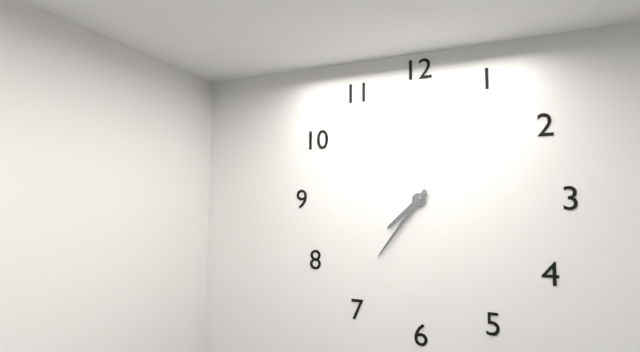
7:36
